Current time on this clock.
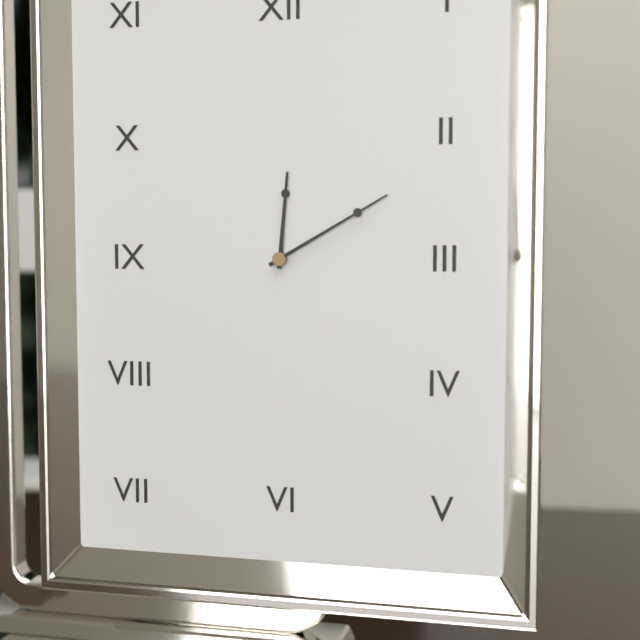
12:10
